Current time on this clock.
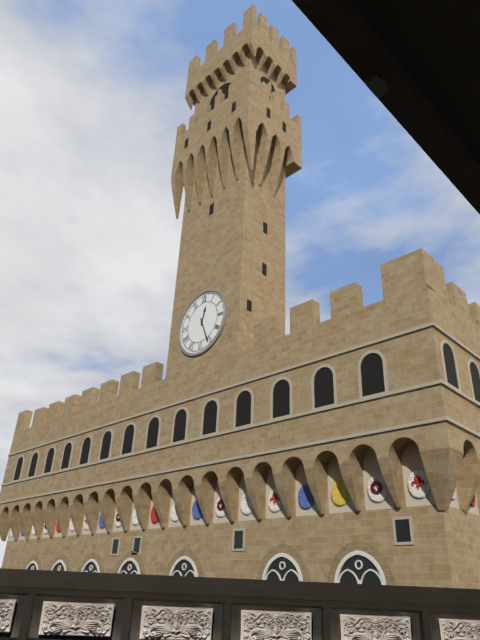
12:26
